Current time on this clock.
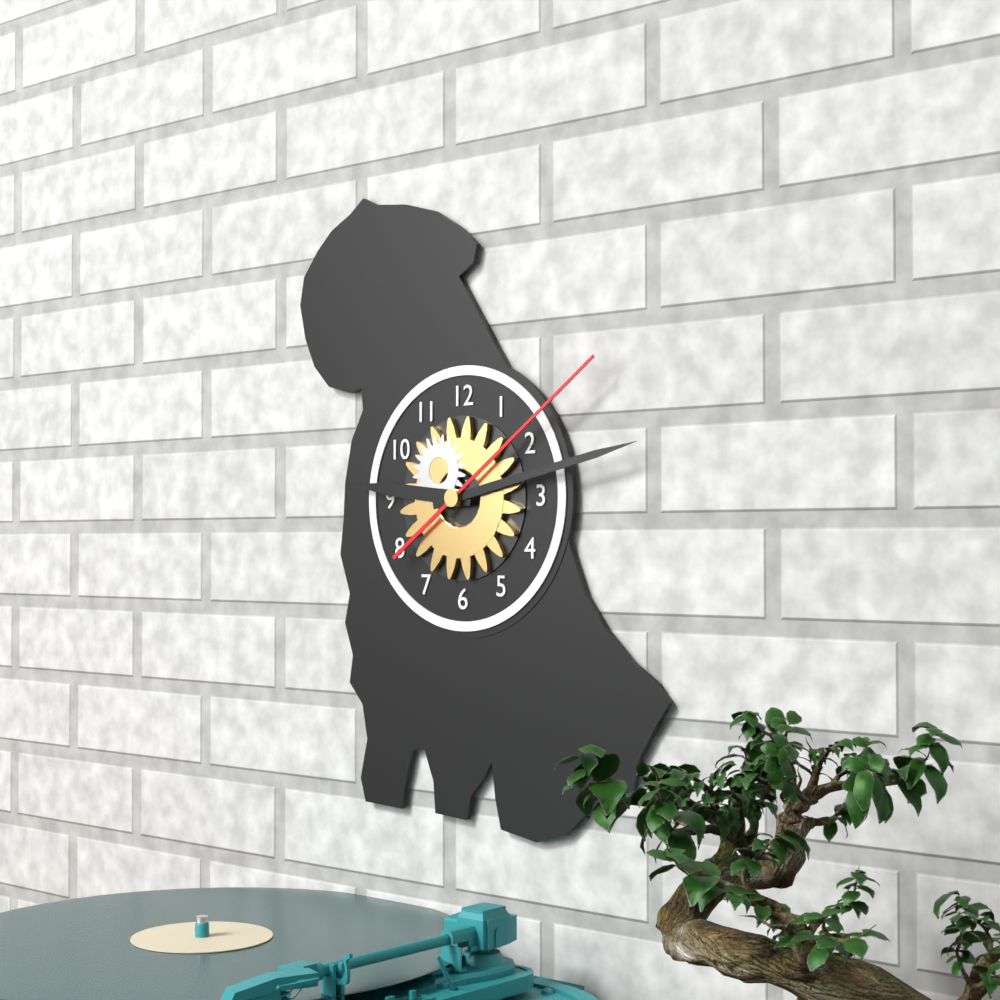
9:13:09
